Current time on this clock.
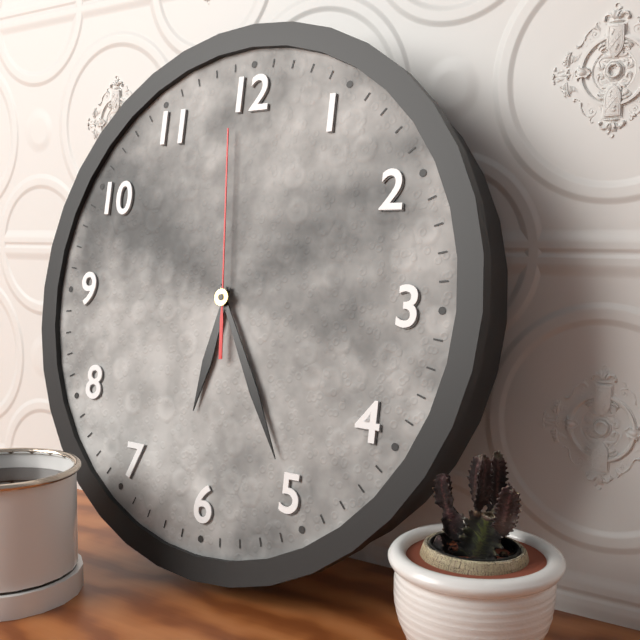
6:25:59
